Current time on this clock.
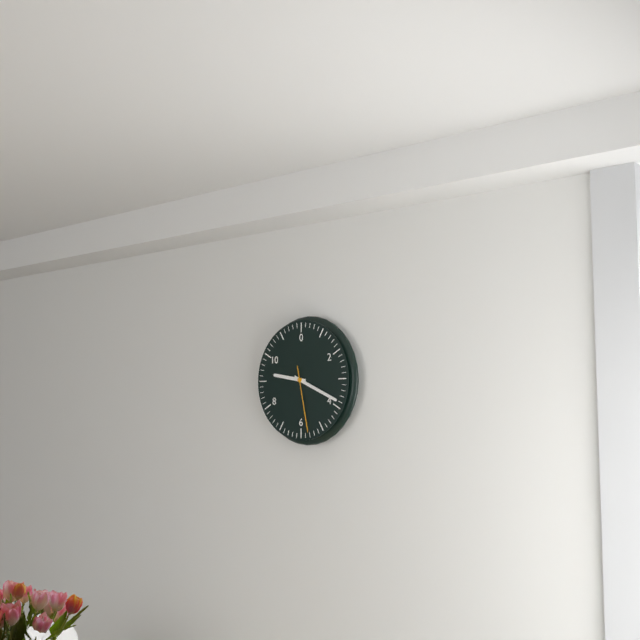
9:19:28
